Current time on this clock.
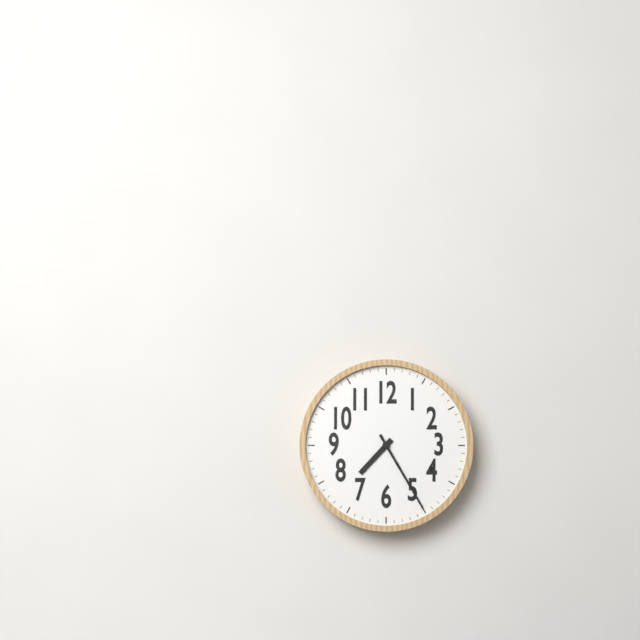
7:25
